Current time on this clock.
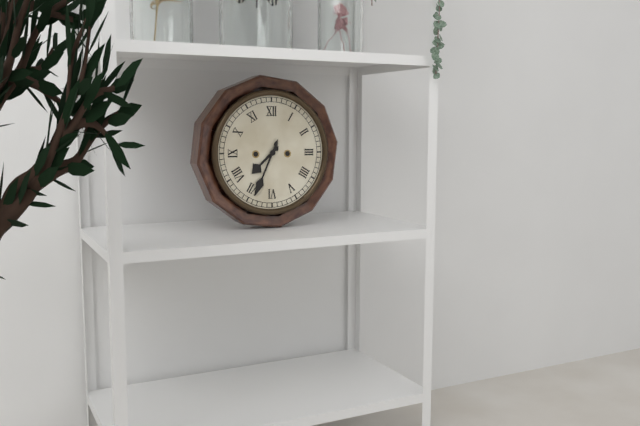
7:34
